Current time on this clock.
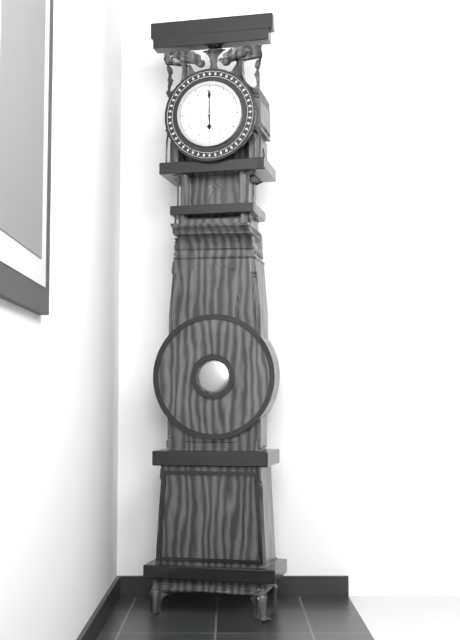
6:00
